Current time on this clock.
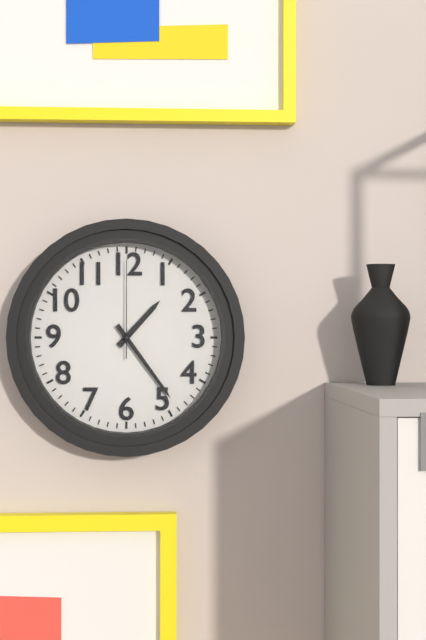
1:24:00
